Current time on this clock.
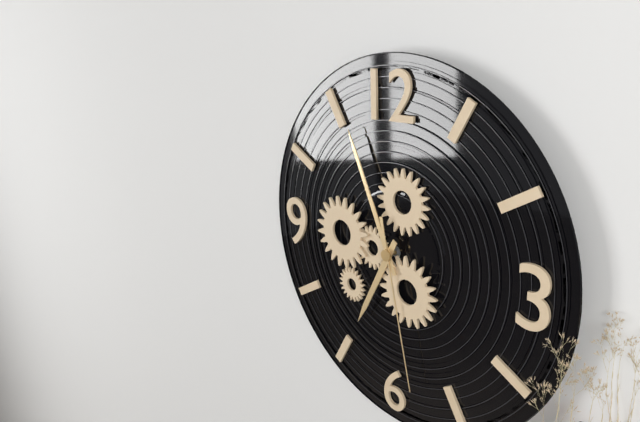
6:56:28
